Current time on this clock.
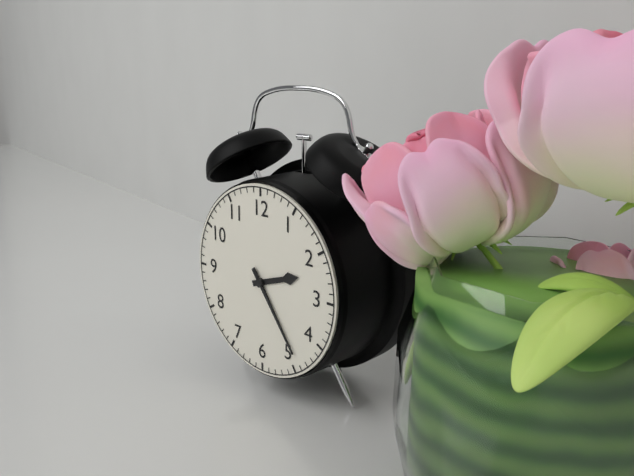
2:24
